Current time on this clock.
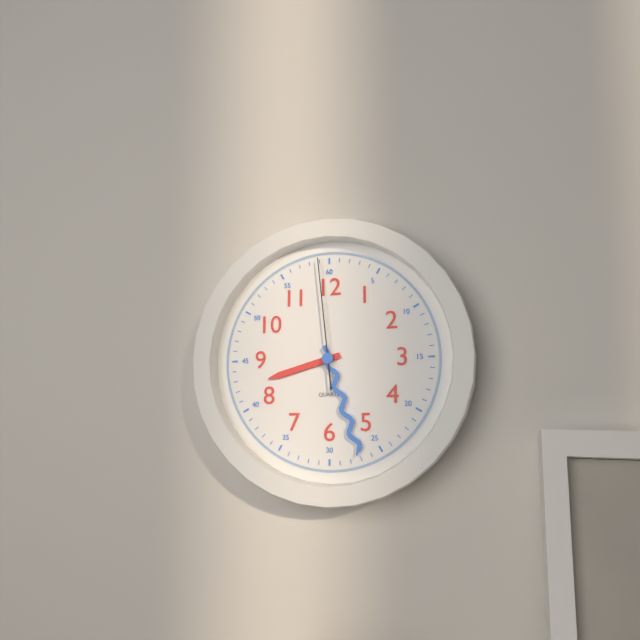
8:27:59
